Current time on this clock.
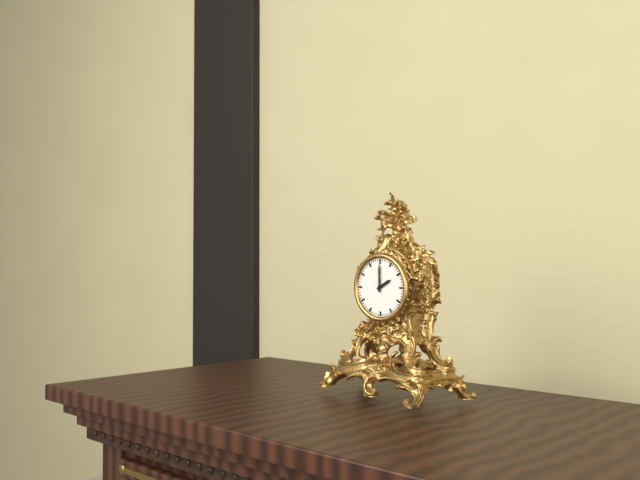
2:00
